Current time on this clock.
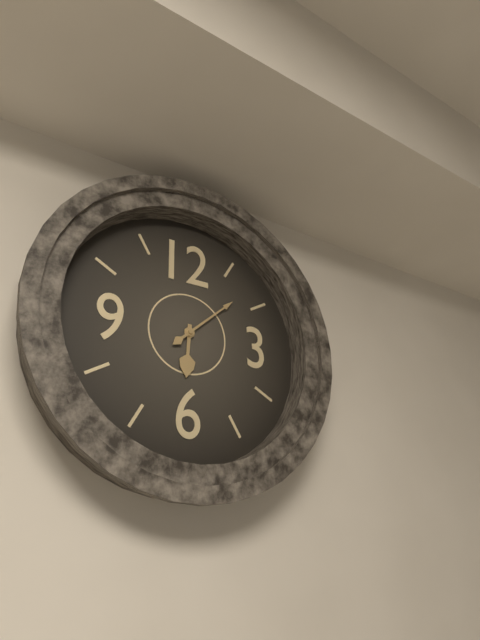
6:08
